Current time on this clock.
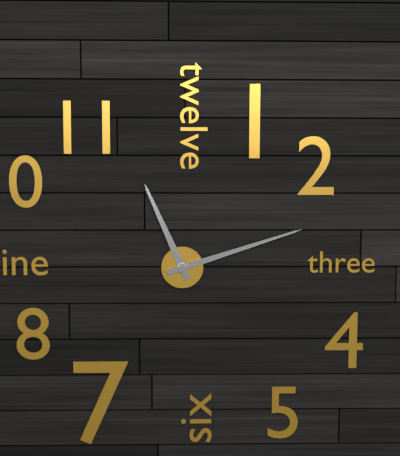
11:12
